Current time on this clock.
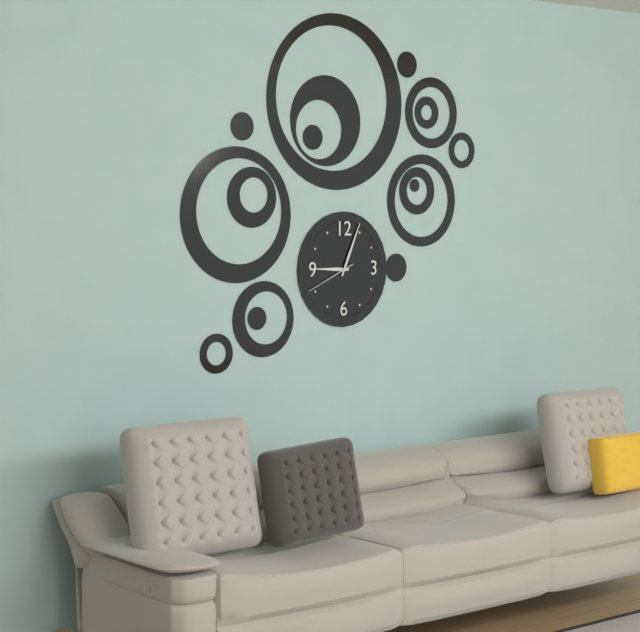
9:04:41
